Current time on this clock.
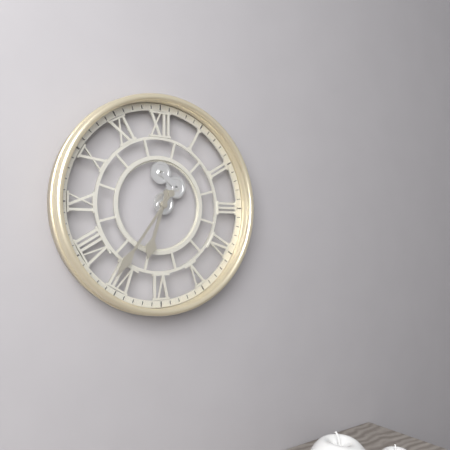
6:36
